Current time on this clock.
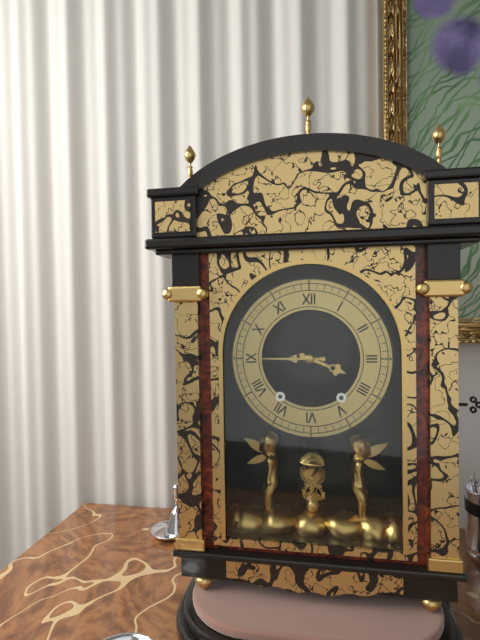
3:45
